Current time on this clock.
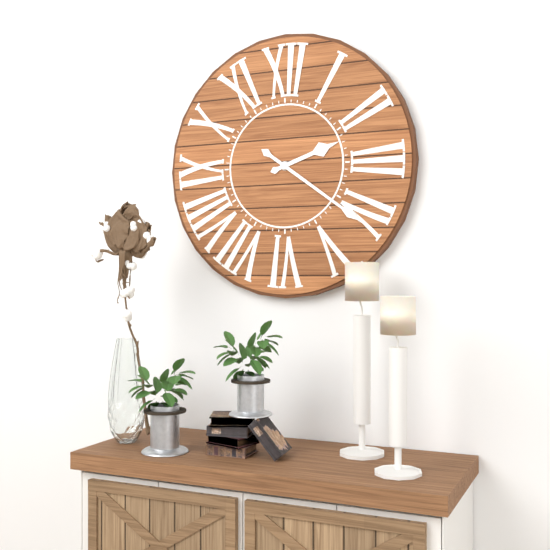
2:21
